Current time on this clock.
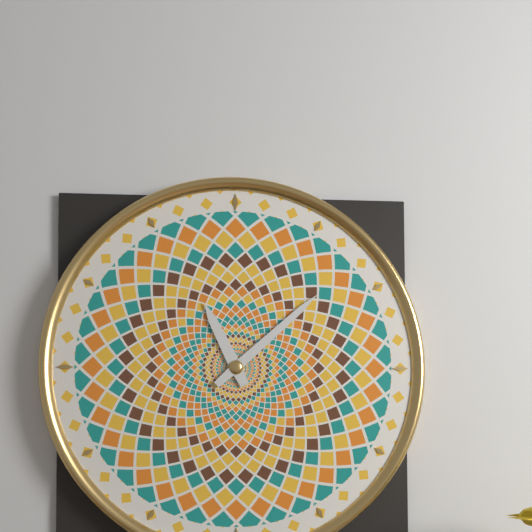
11:08
